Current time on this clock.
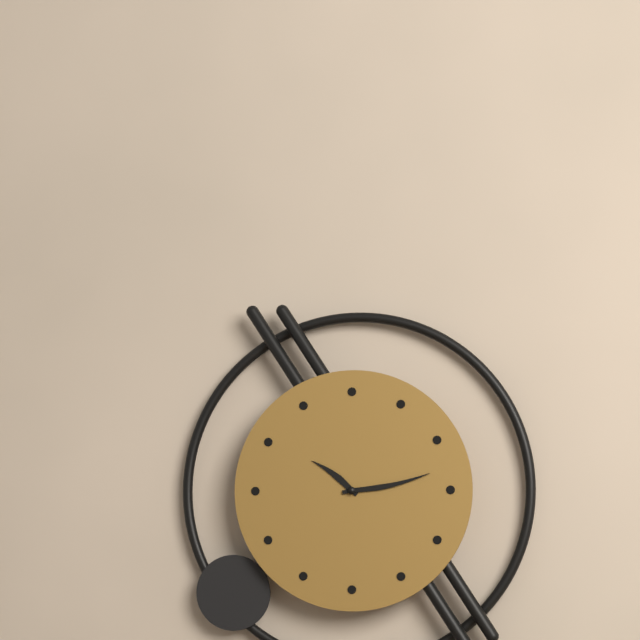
10:13
